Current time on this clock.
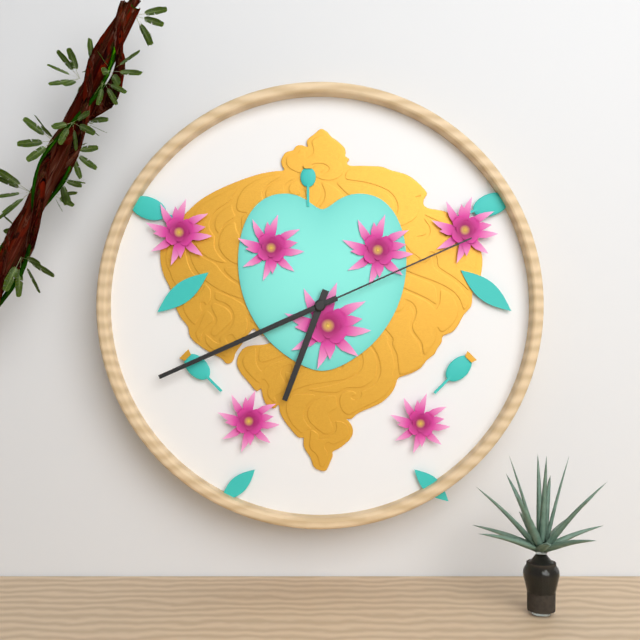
6:41:11
